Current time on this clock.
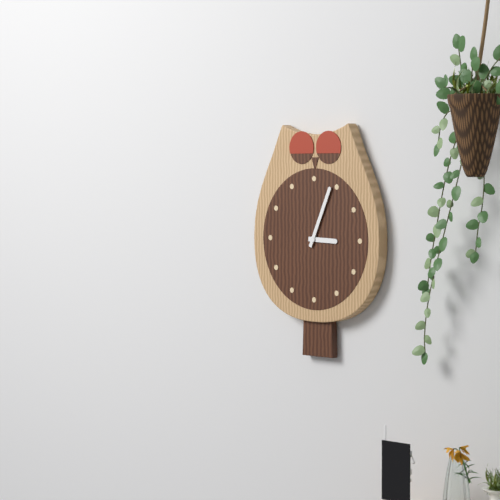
3:04
